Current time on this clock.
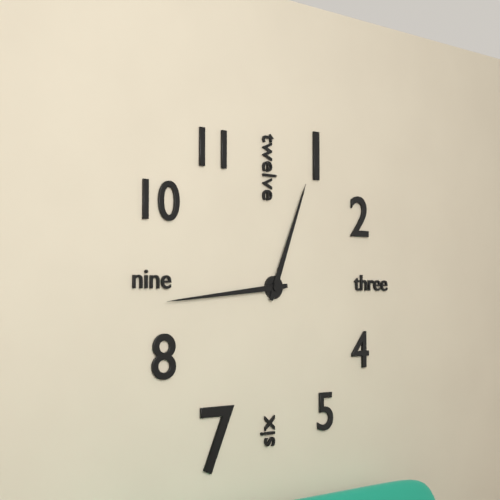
12:44
